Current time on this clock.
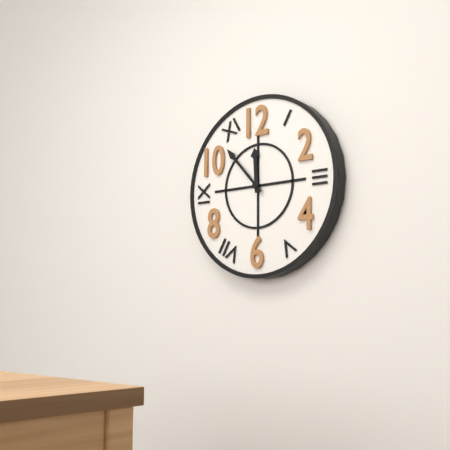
11:53
